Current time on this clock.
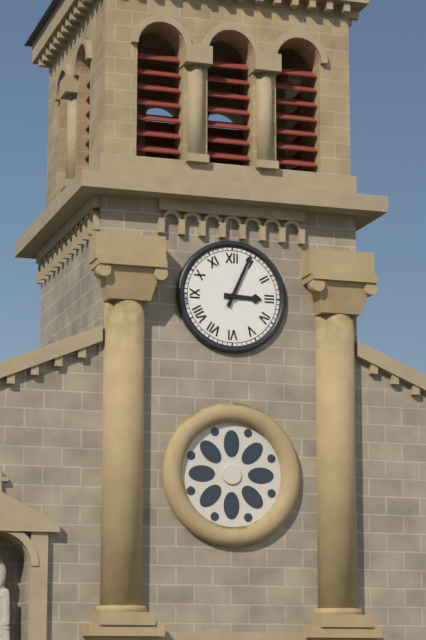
3:04
